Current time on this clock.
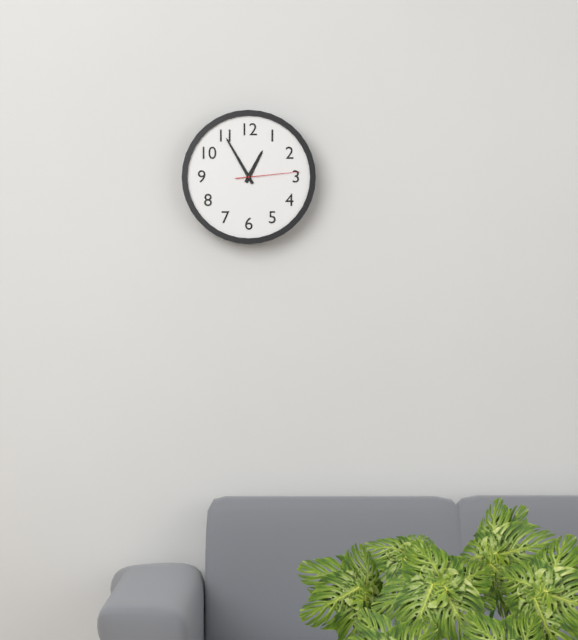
12:55:14
